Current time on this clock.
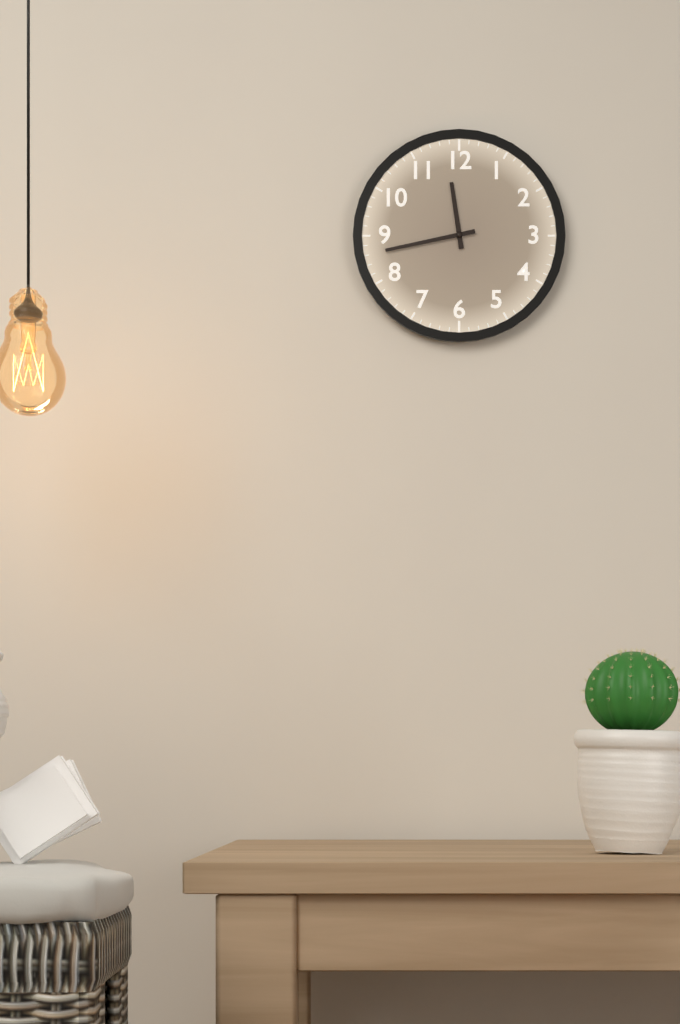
11:43
